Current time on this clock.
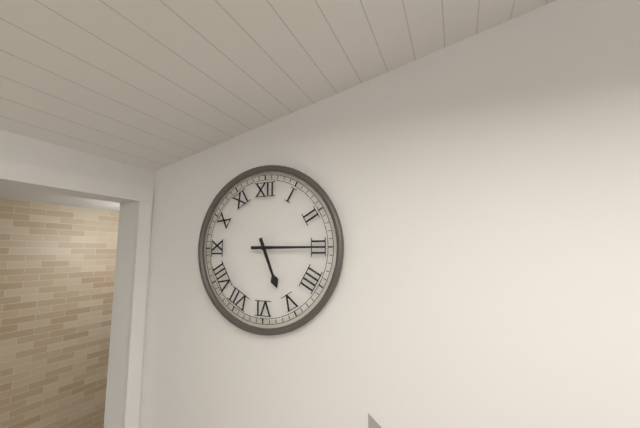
5:15
